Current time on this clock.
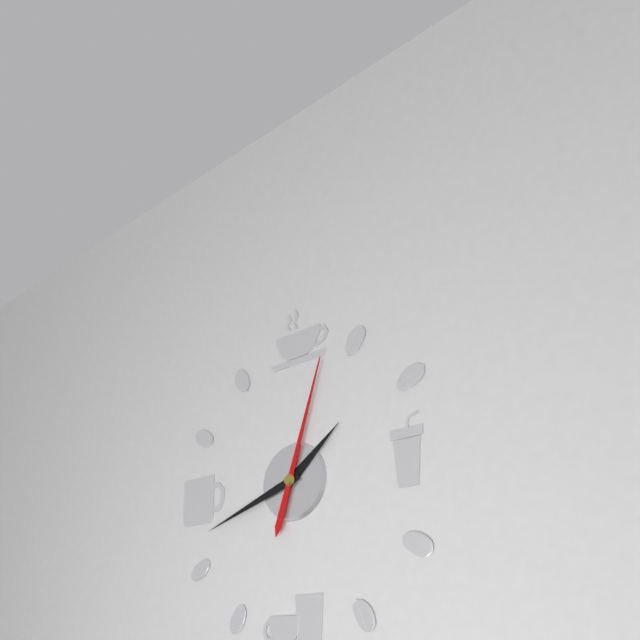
1:42:03
